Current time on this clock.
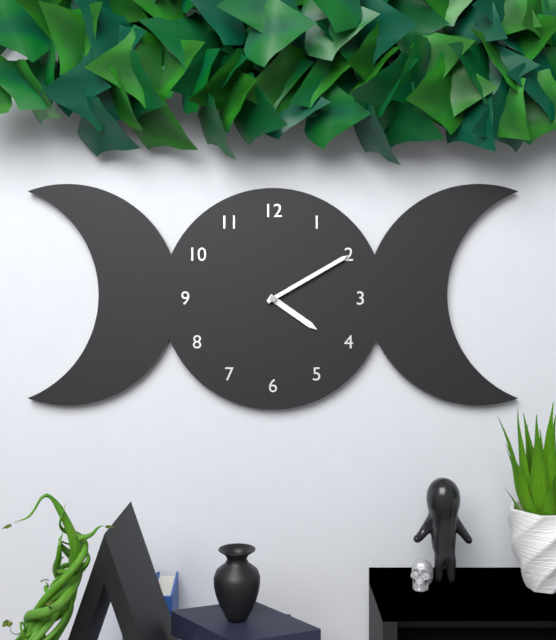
4:10
